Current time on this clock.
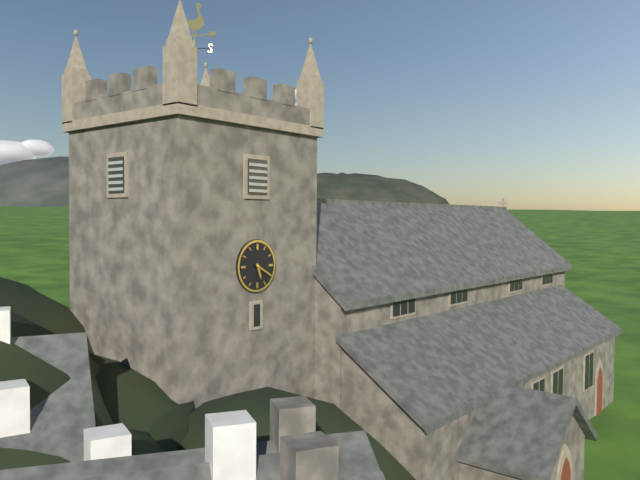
5:20
